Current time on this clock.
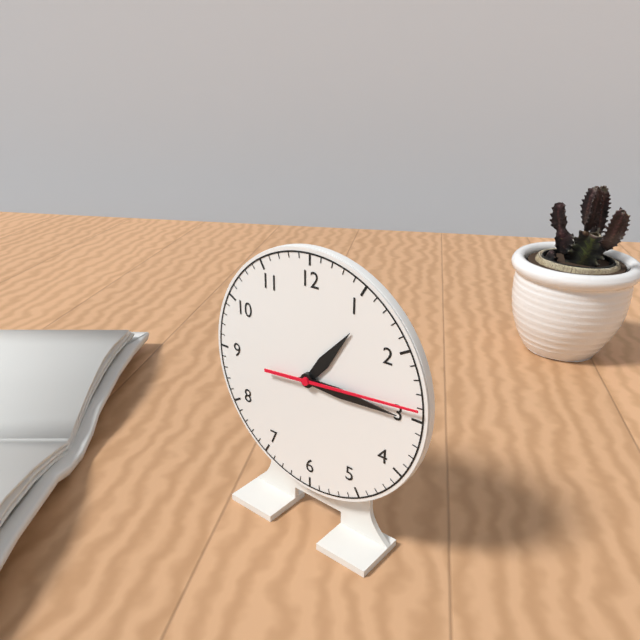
1:15:14
